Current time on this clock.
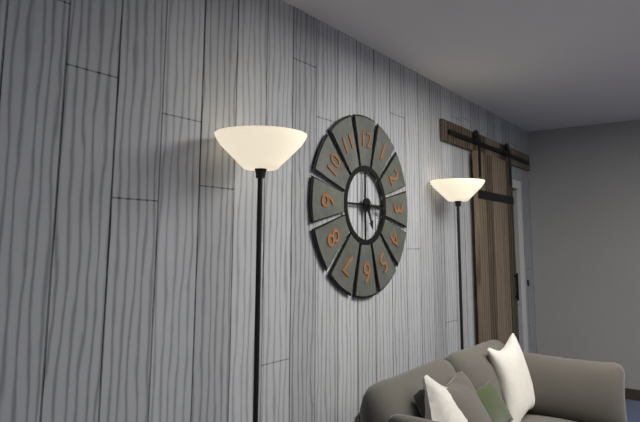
5:16
